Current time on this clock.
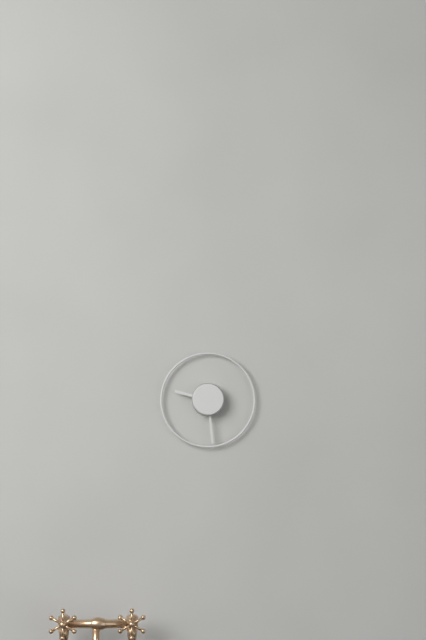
9:29
